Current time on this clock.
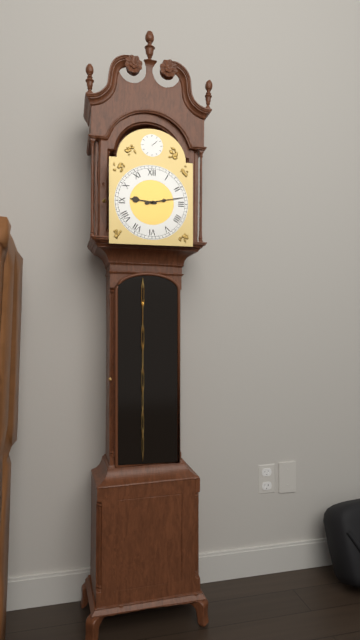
9:13
